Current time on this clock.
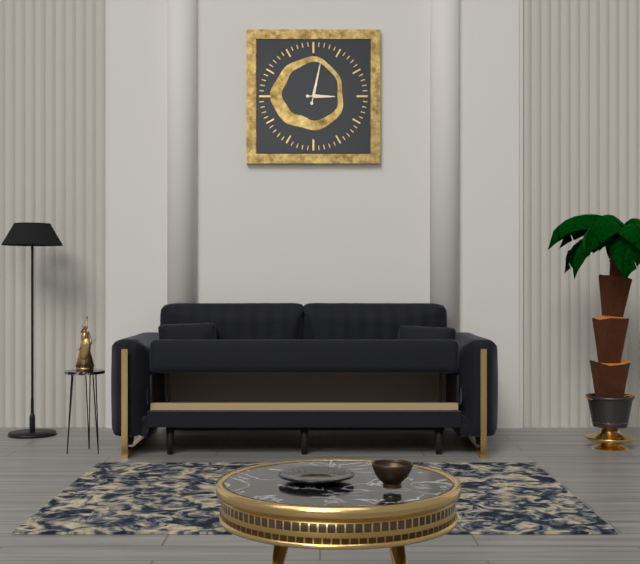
3:02
